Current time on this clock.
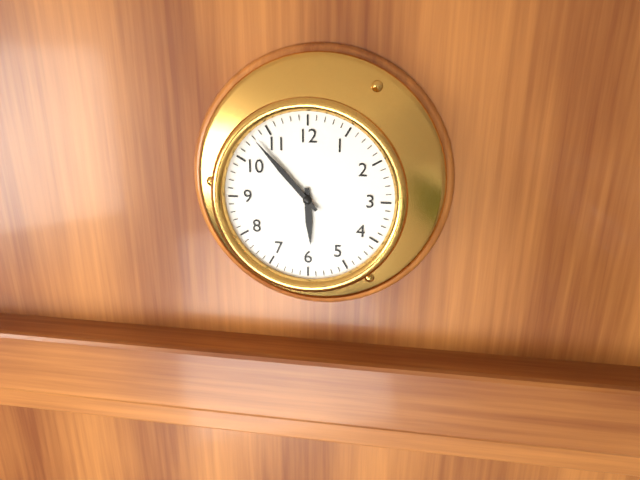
5:53
